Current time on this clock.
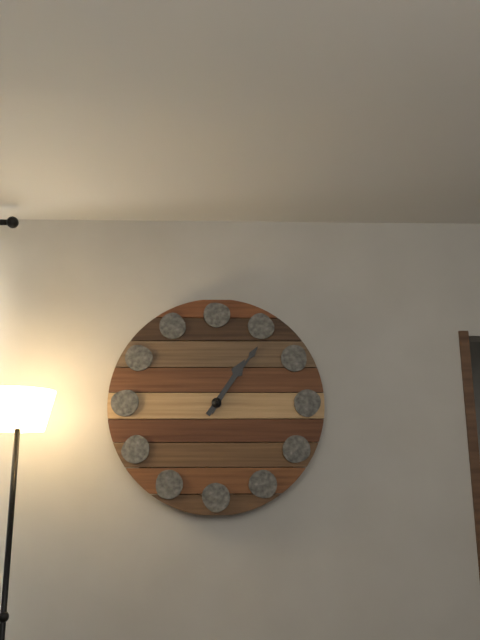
1:06
